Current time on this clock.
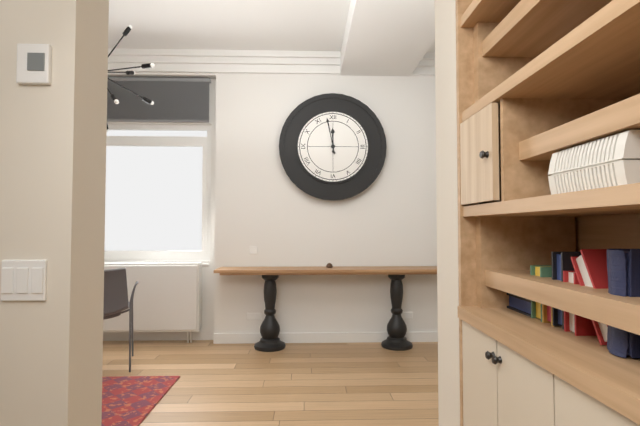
11:58
